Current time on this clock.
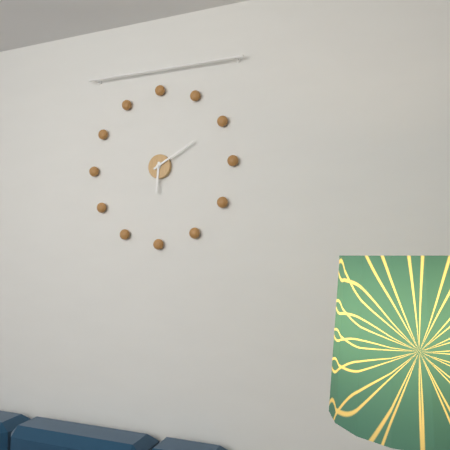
6:10
